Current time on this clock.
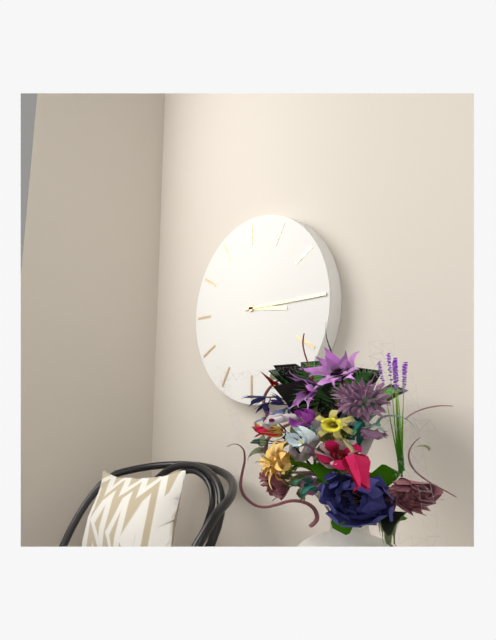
3:15
